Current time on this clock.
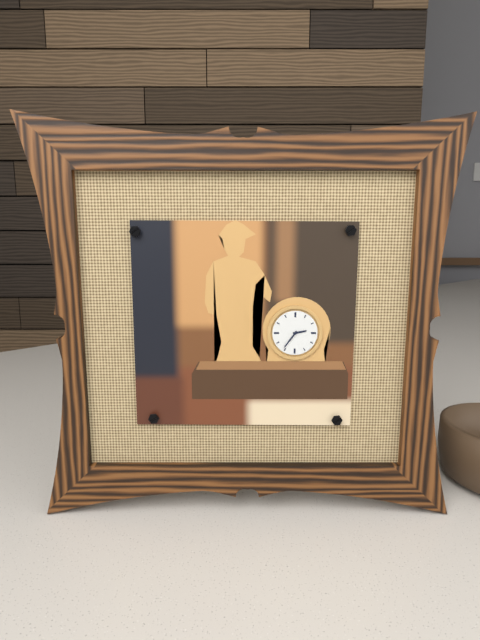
2:36
